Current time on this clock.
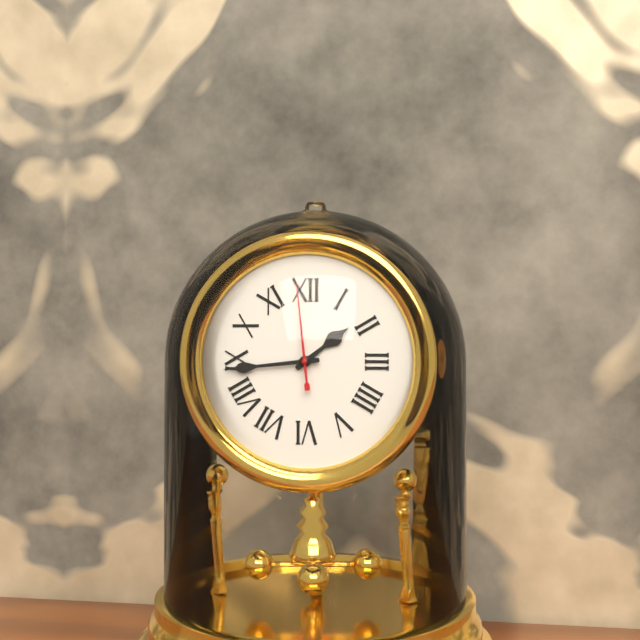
1:44:59
